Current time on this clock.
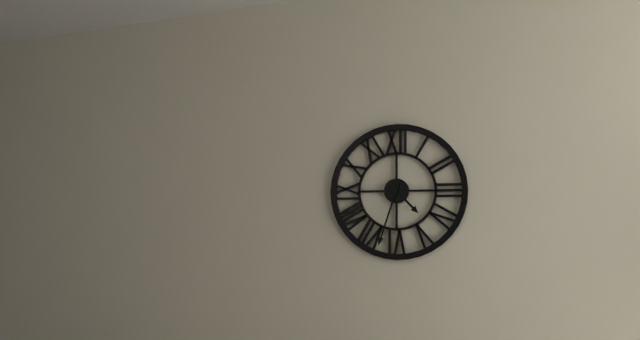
4:33
